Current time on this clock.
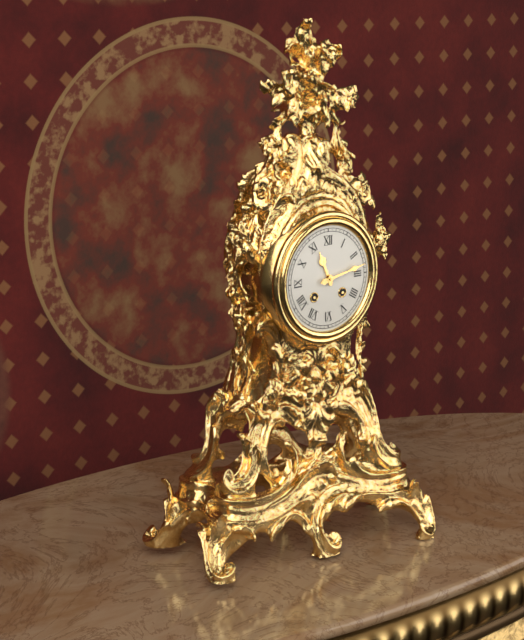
11:13
